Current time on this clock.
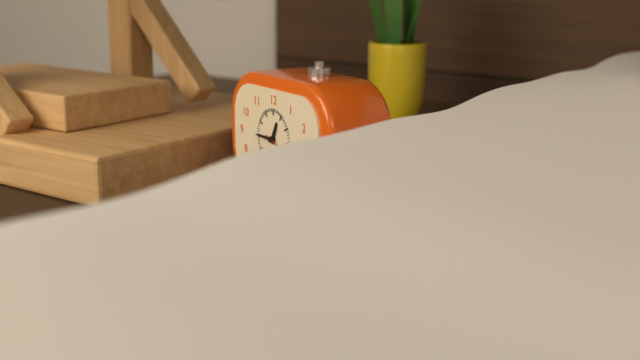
12:45
